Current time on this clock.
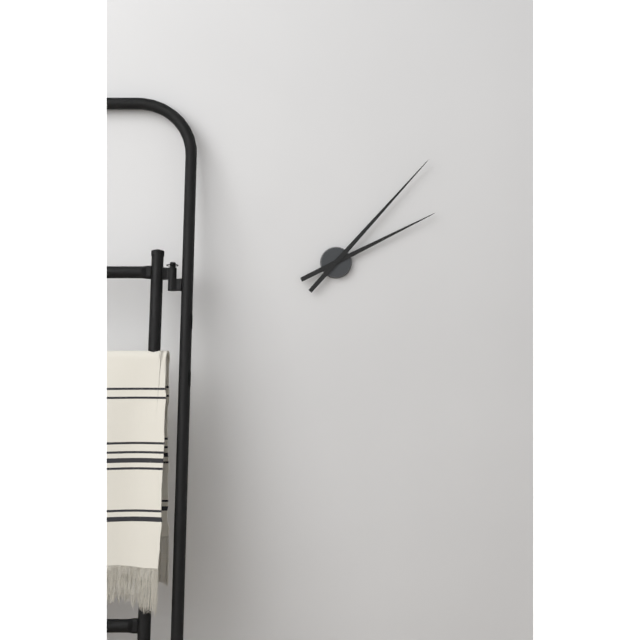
2:07
